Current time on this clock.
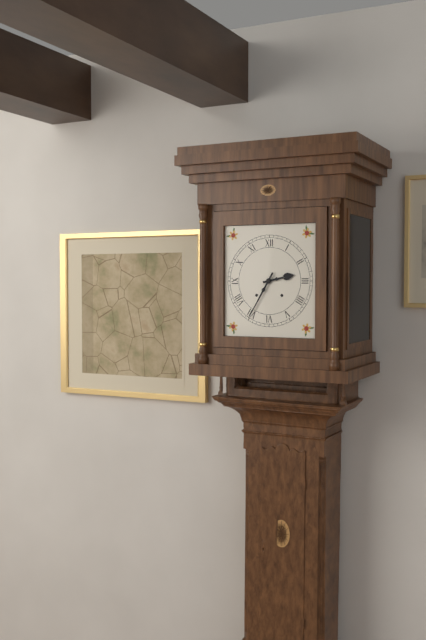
2:35
